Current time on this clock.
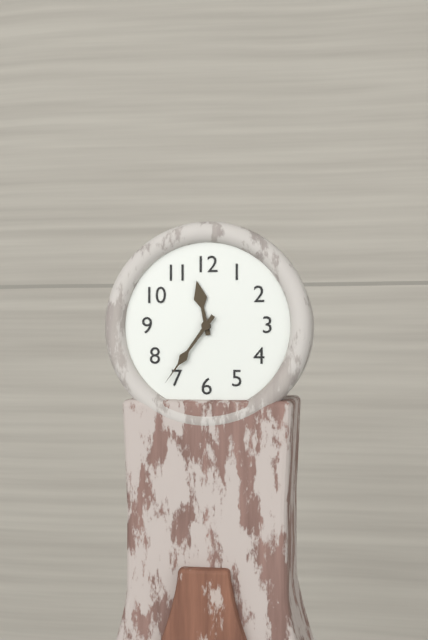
11:36
